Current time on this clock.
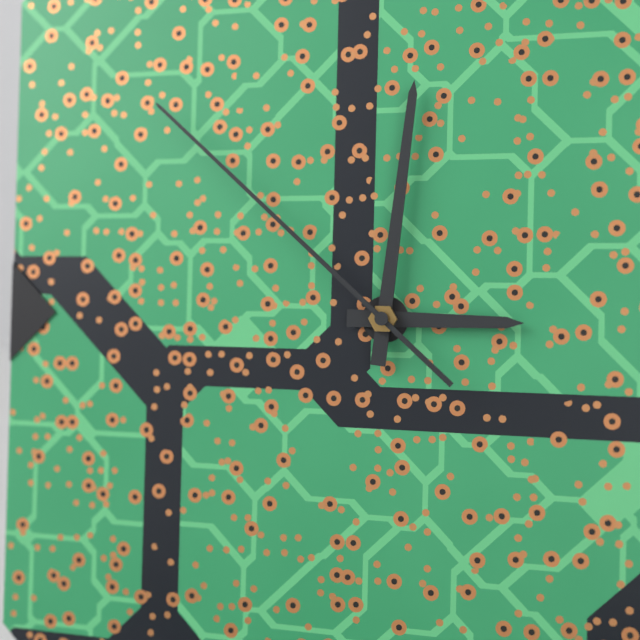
3:01:52
